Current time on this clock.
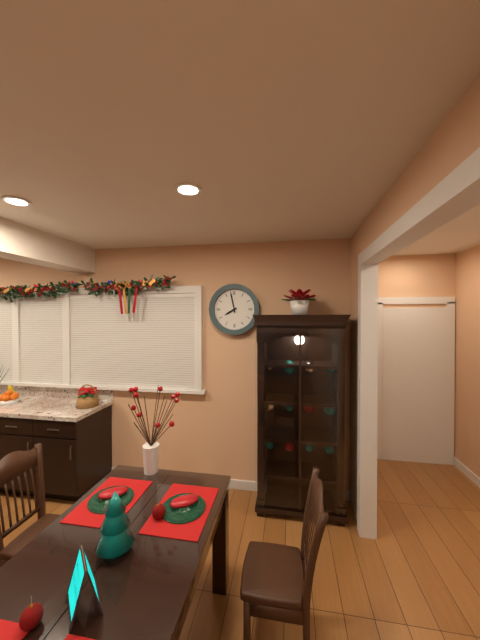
7:58
